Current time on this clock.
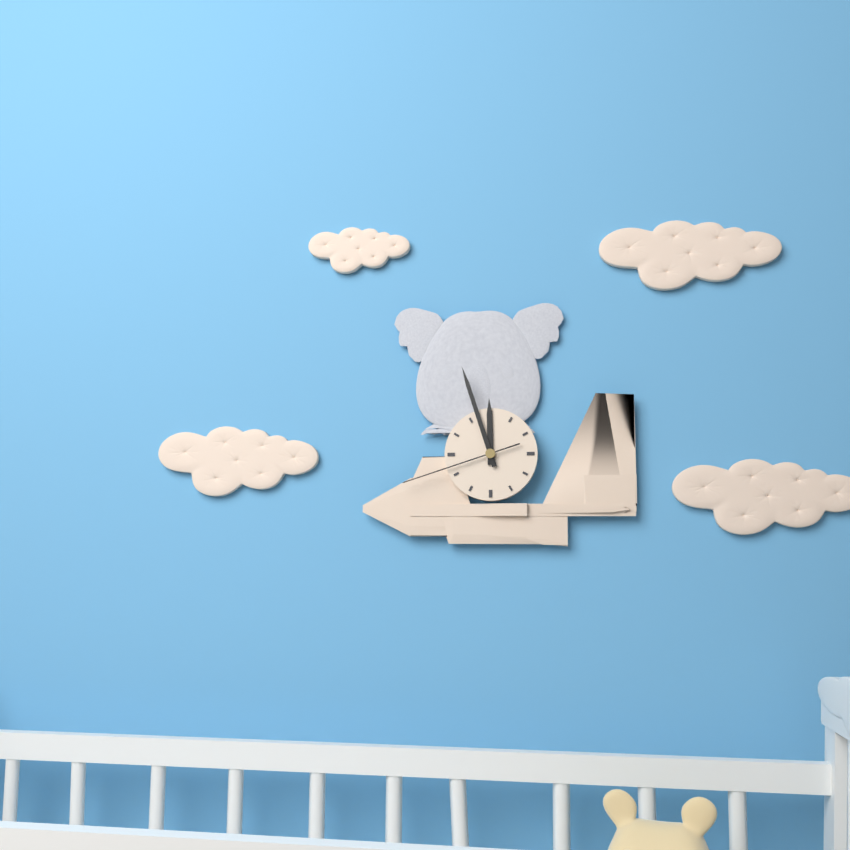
11:57:42
